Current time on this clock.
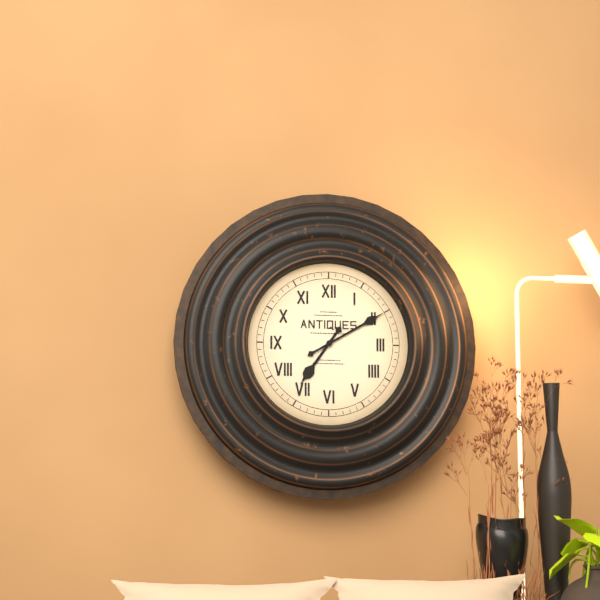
7:10
